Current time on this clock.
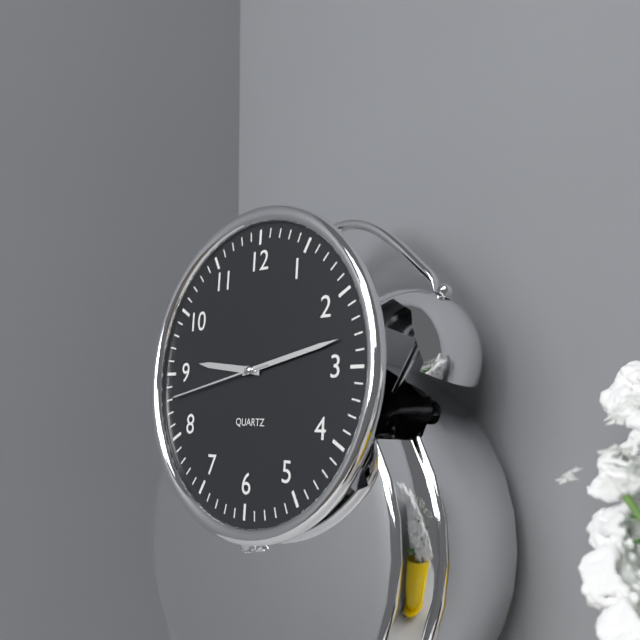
9:13:43
